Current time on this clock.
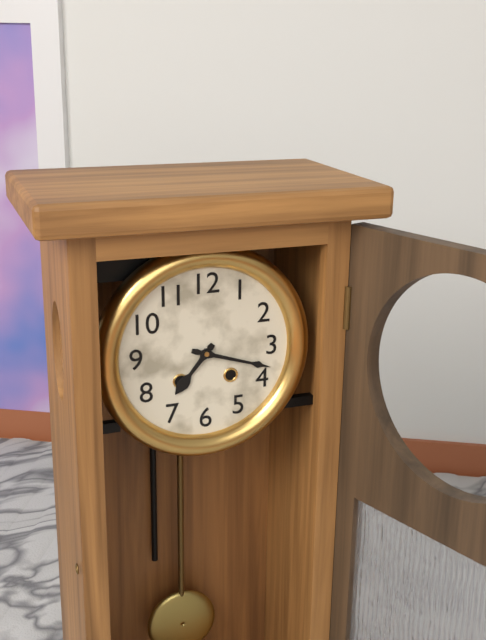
7:18
